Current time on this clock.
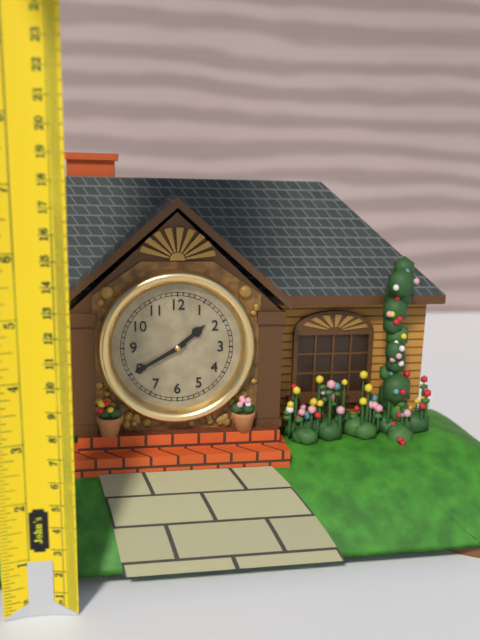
1:40
